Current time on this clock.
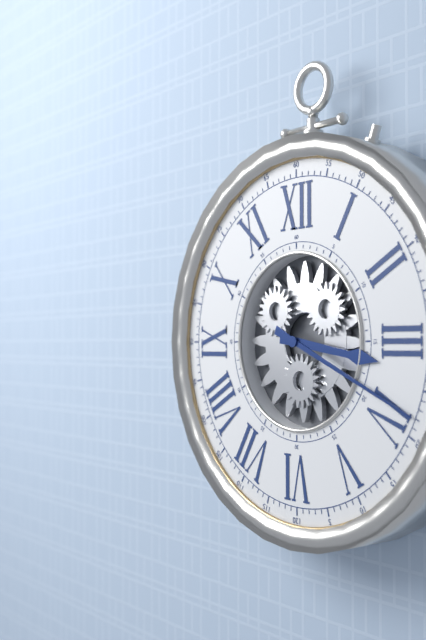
3:19
